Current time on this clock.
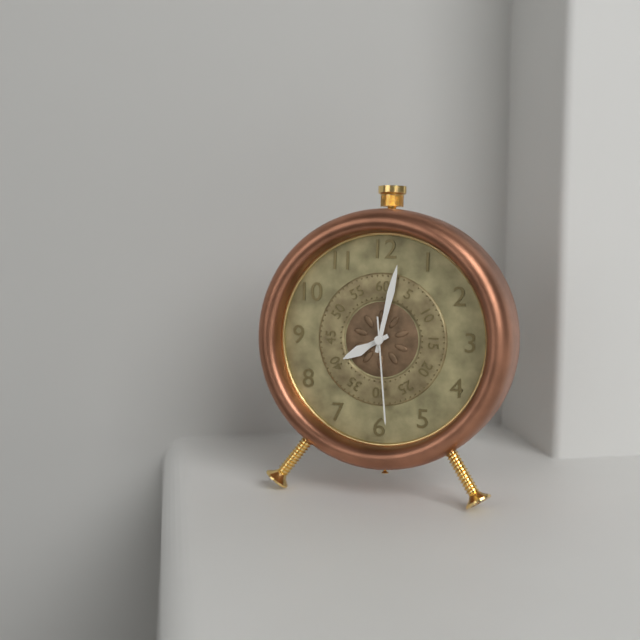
8:02:29
